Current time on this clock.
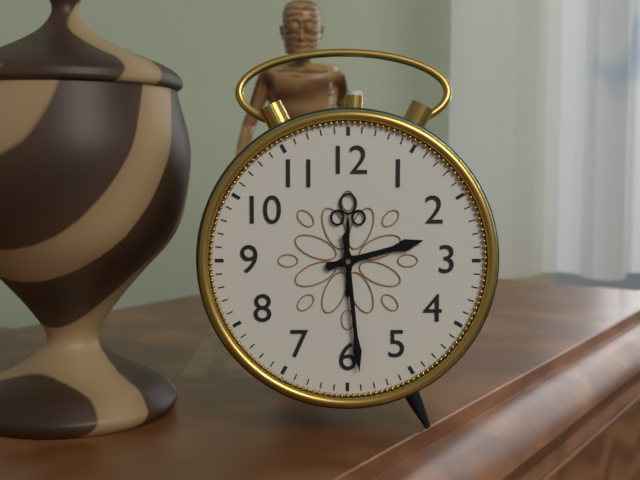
2:29
